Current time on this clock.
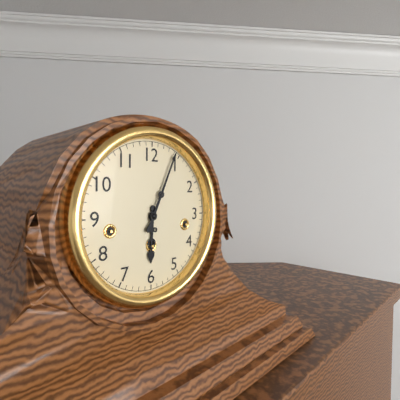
6:04
